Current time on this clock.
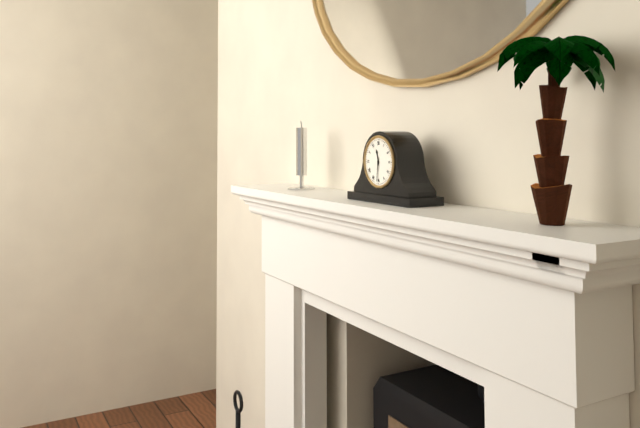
11:31
